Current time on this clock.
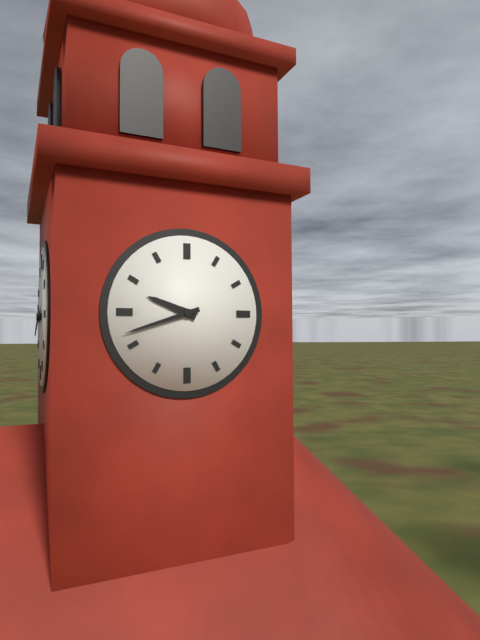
9:42
